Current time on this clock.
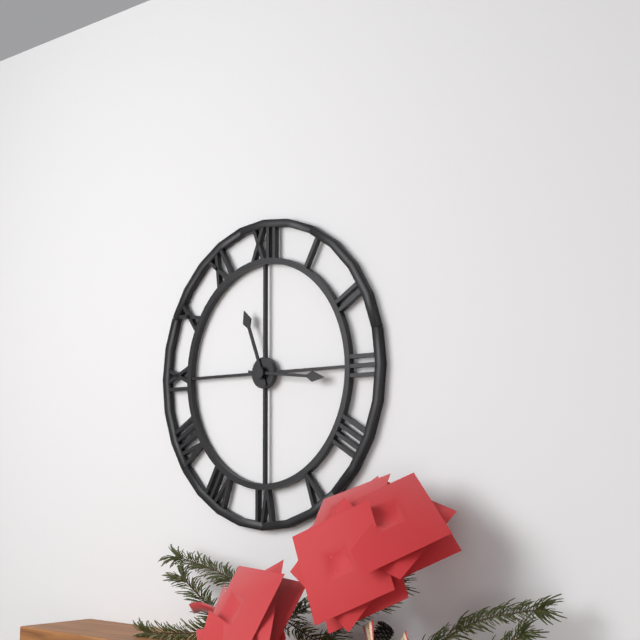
11:16
